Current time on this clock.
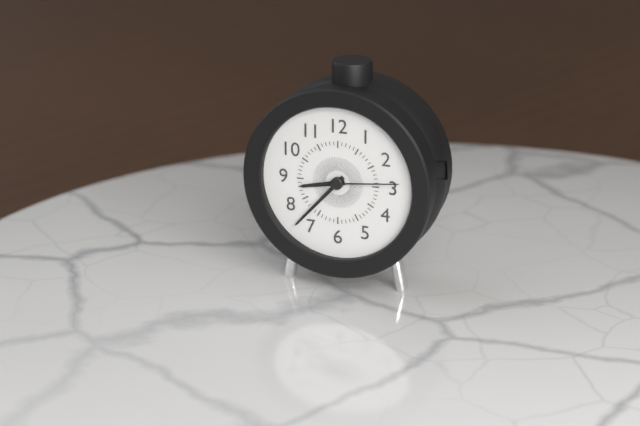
8:37:14
